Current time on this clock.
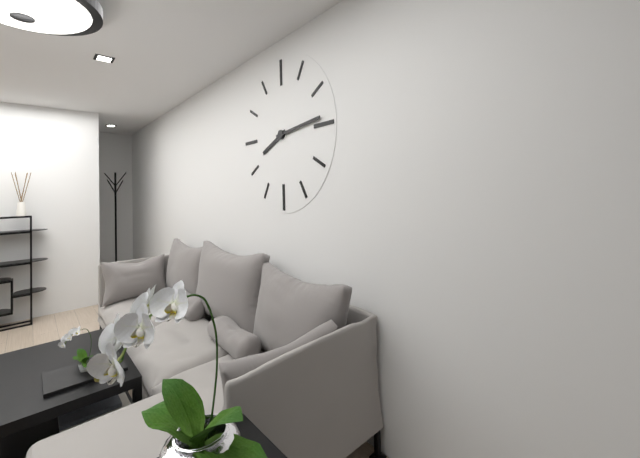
8:14
